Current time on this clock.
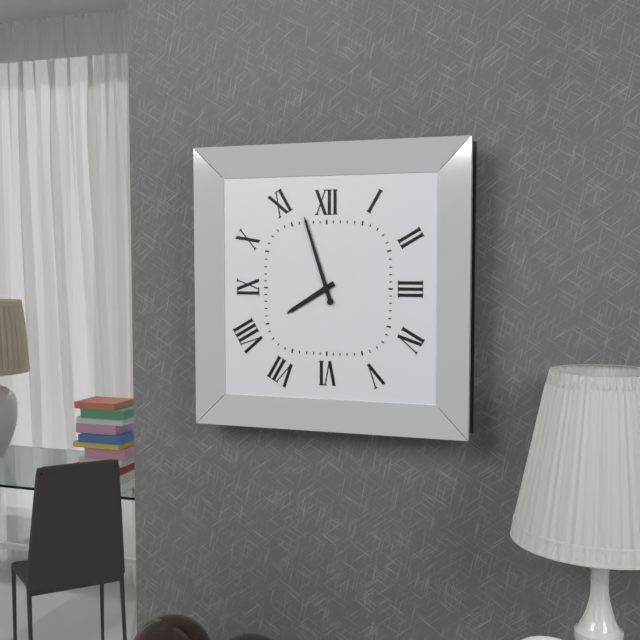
7:57
